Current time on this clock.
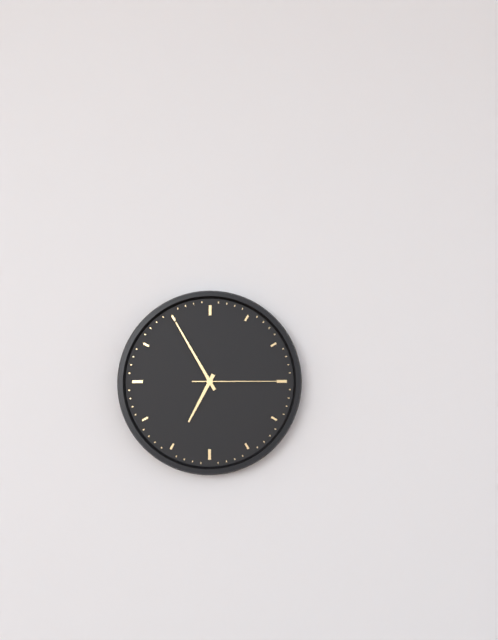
6:55:15
